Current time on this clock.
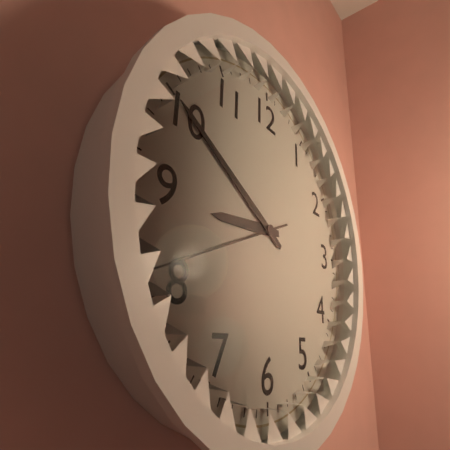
8:50:41
